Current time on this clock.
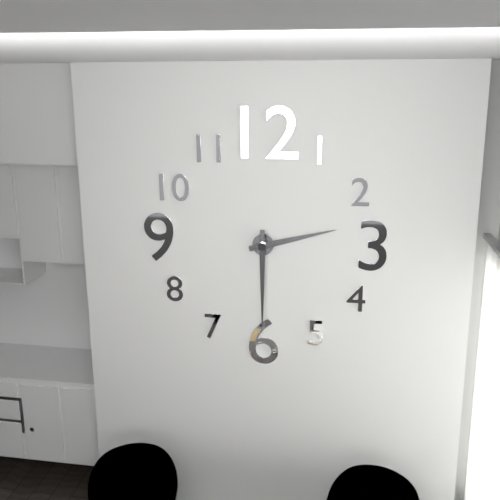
2:30
